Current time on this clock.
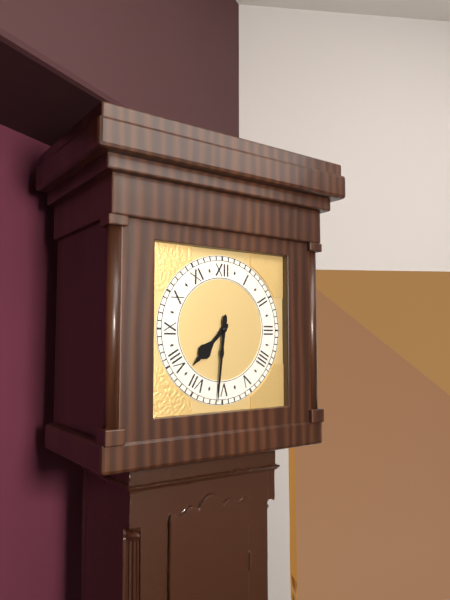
7:31
